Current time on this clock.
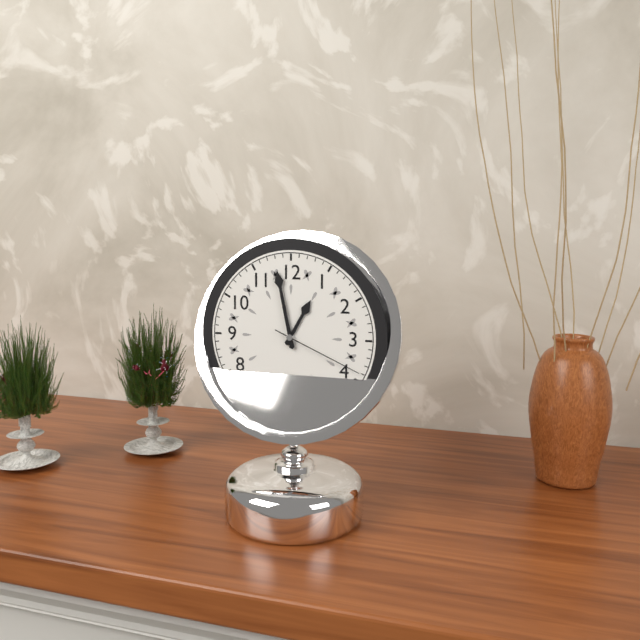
12:58:19
